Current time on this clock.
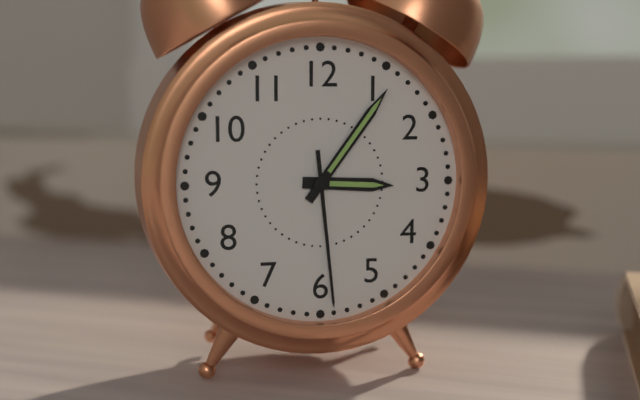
3:06:29
